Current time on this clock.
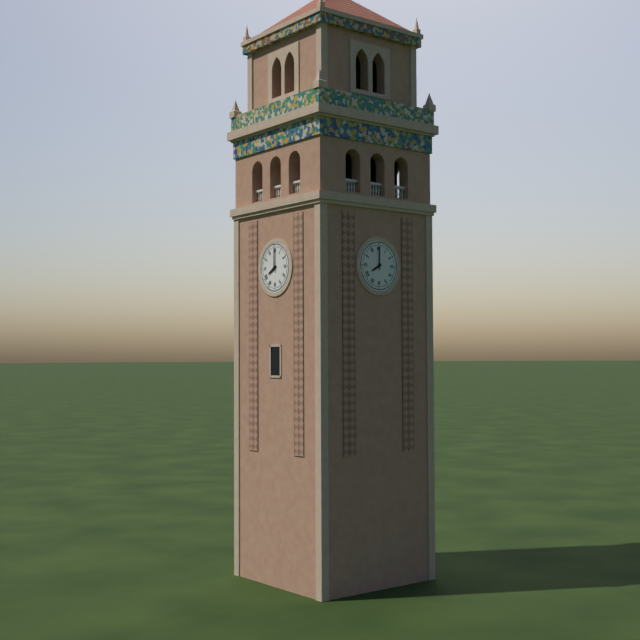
8:00
